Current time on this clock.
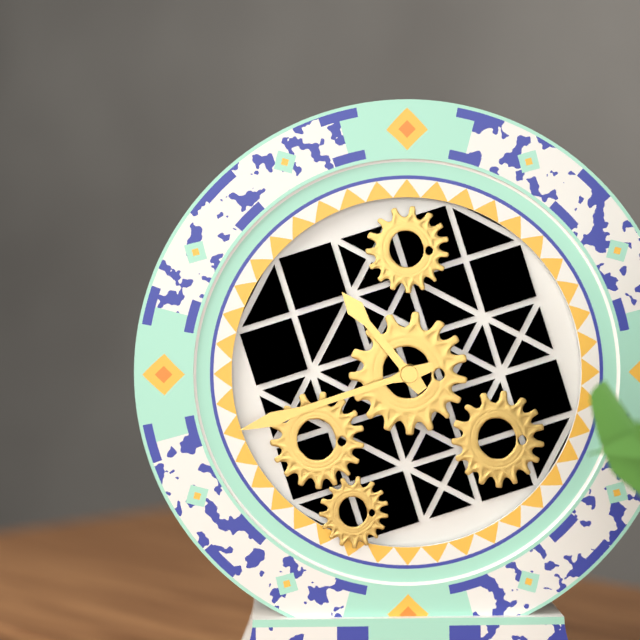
10:42
